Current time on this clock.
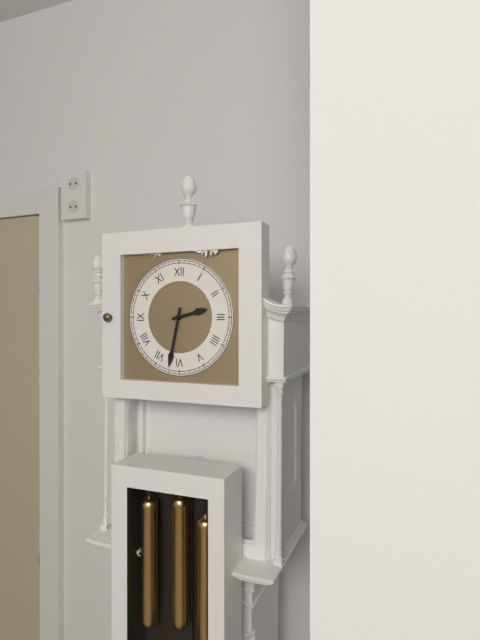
2:32
